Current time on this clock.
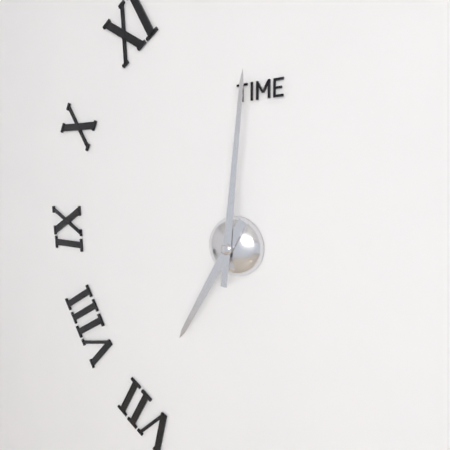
7:01
